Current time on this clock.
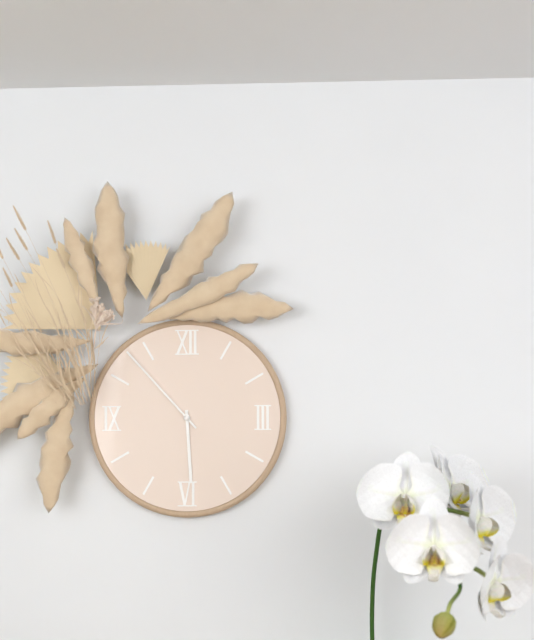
5:53
